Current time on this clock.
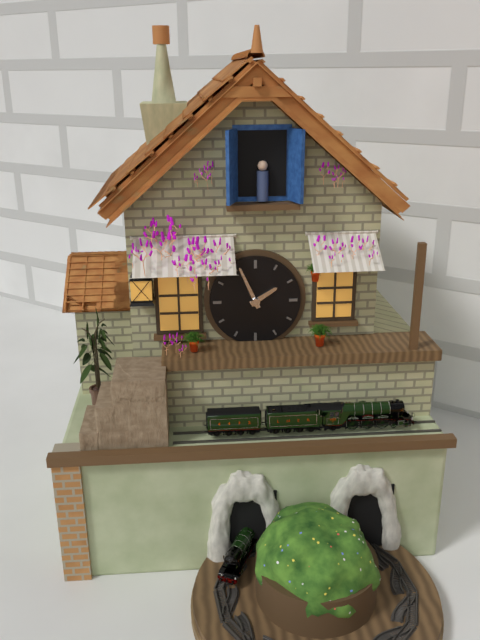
1:56
